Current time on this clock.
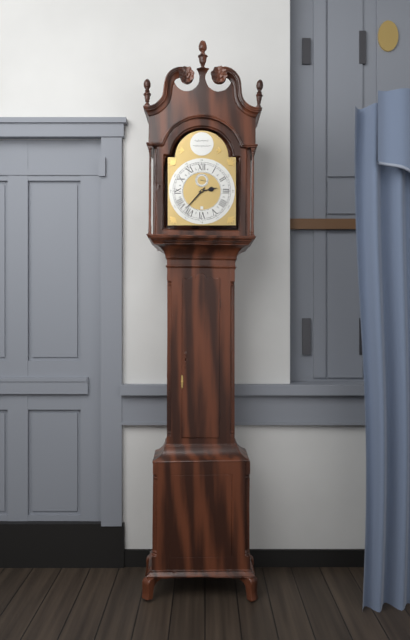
2:37
